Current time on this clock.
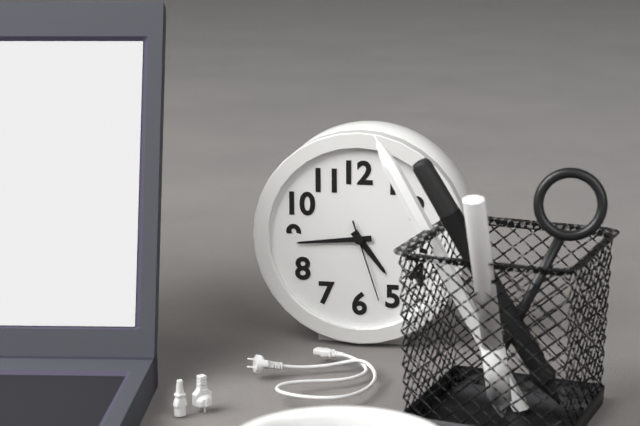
4:44:27
